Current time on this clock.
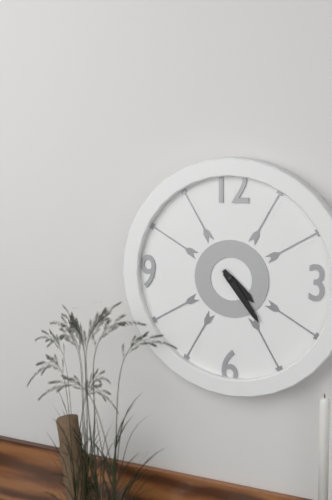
4:24
